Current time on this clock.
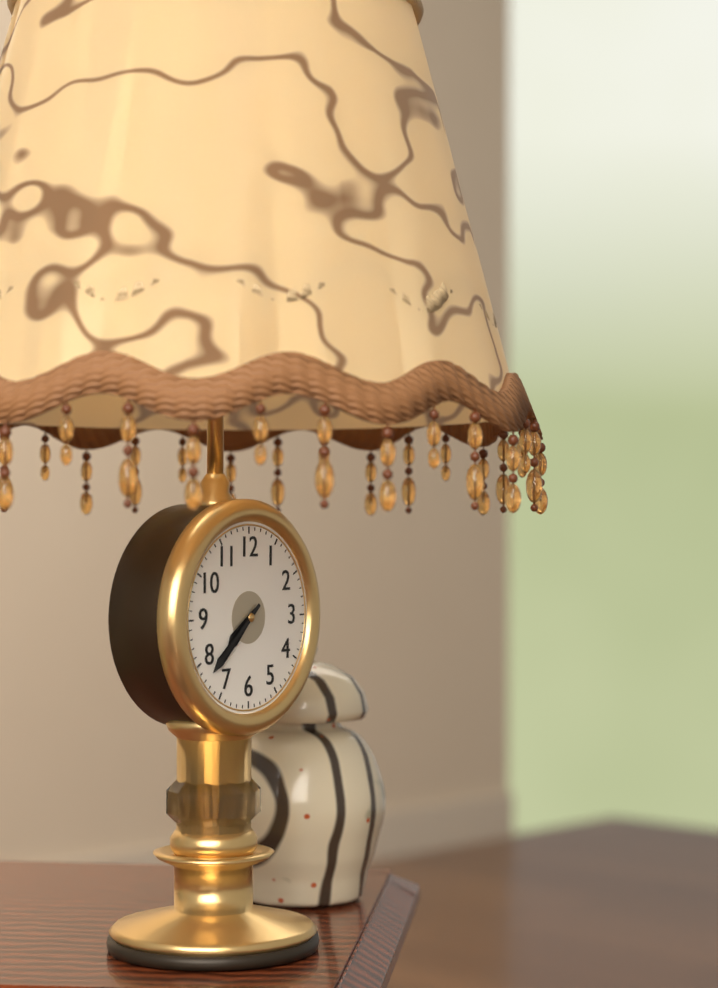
7:38
